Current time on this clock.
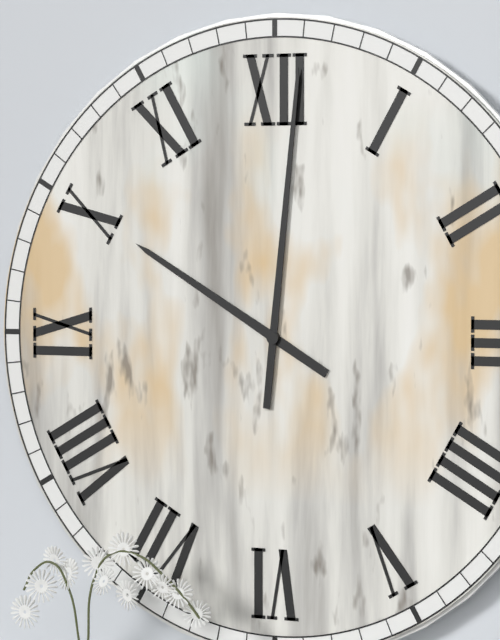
10:01
